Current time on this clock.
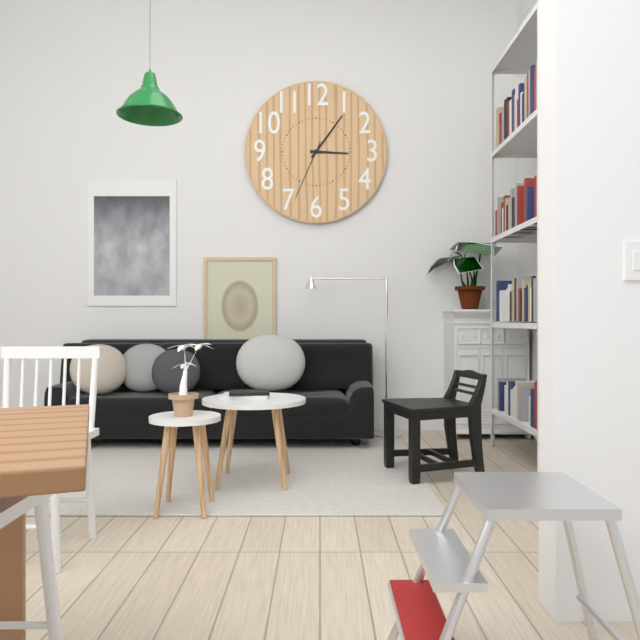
3:06:34
